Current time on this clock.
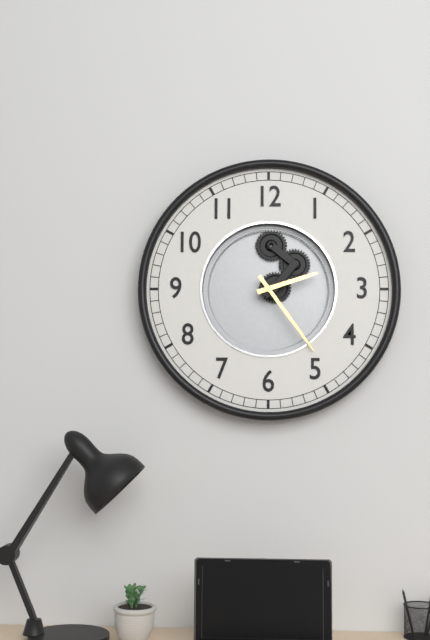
2:24
